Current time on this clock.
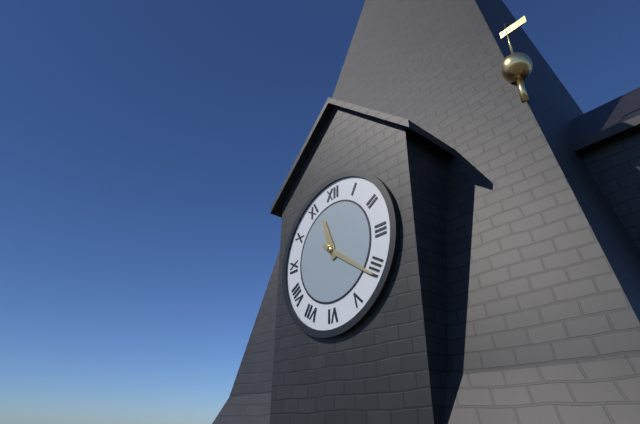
11:21
